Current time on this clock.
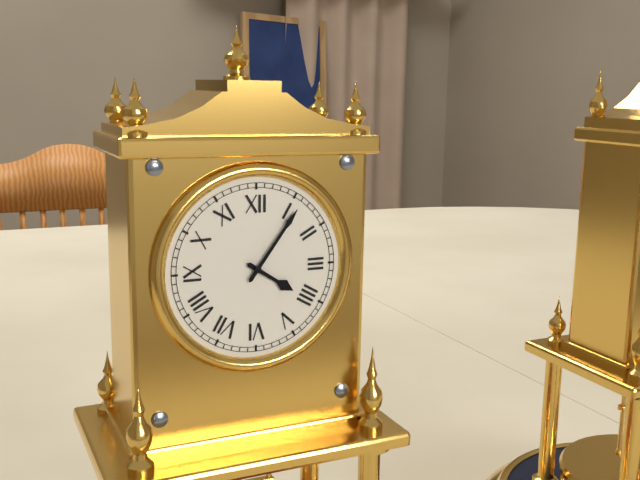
4:06
